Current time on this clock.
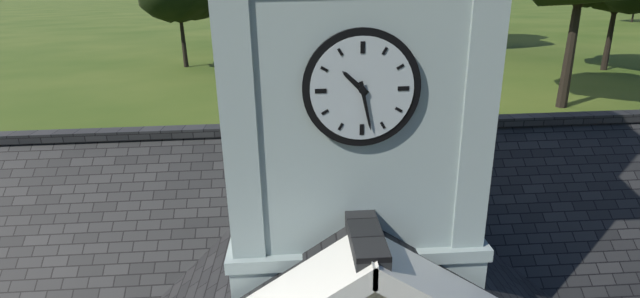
10:28
